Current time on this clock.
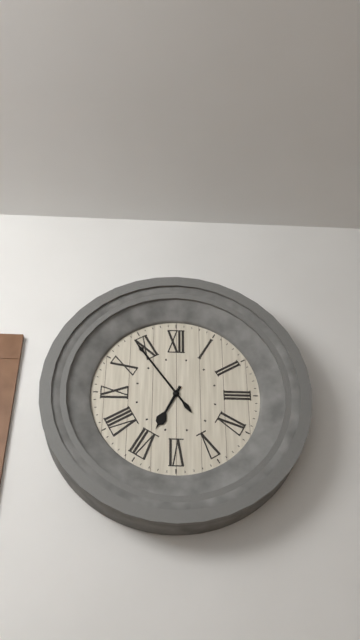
6:54
